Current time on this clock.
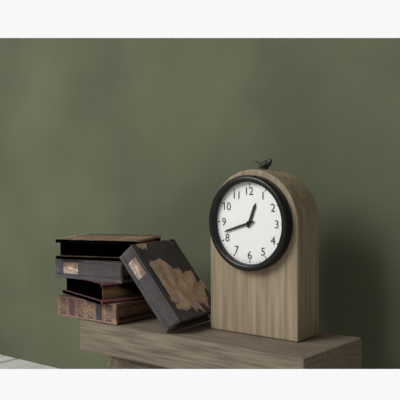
12:42
